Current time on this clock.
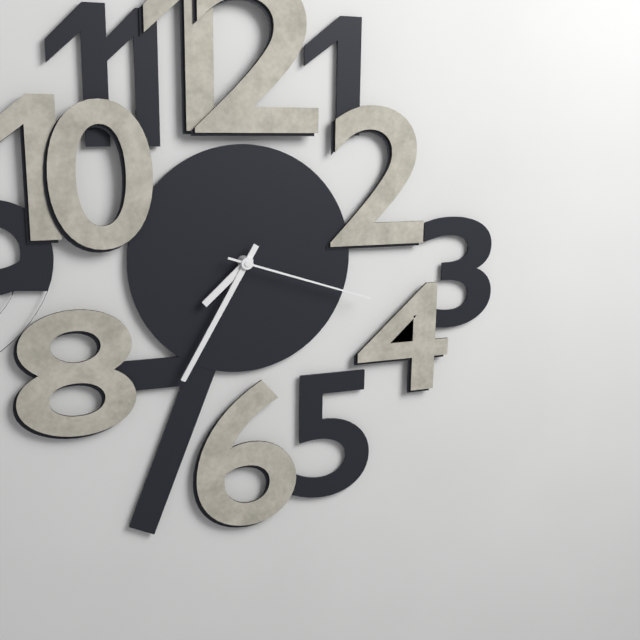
7:35:18
